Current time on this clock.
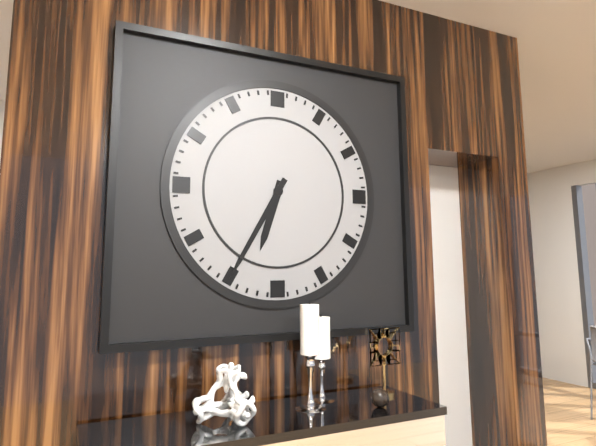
6:35
